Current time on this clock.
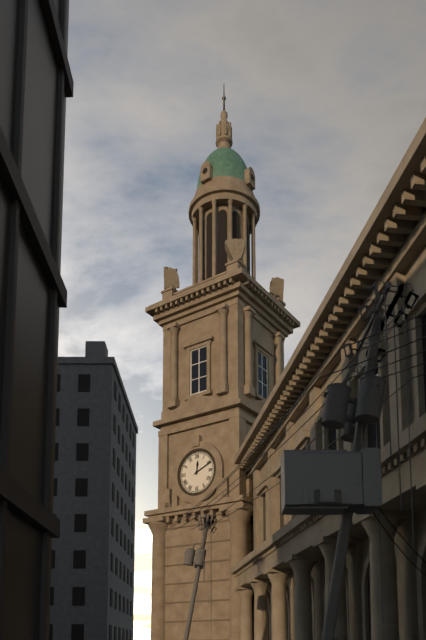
12:11
